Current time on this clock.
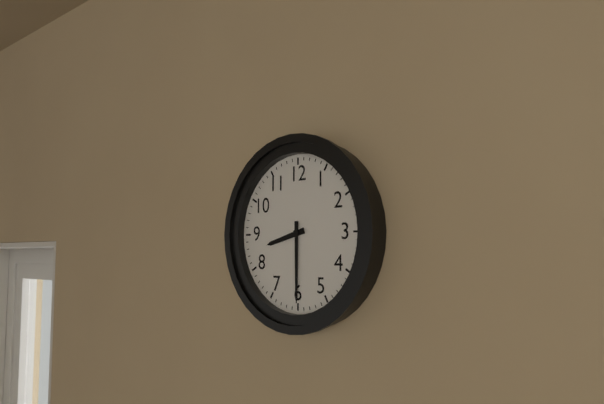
8:30
